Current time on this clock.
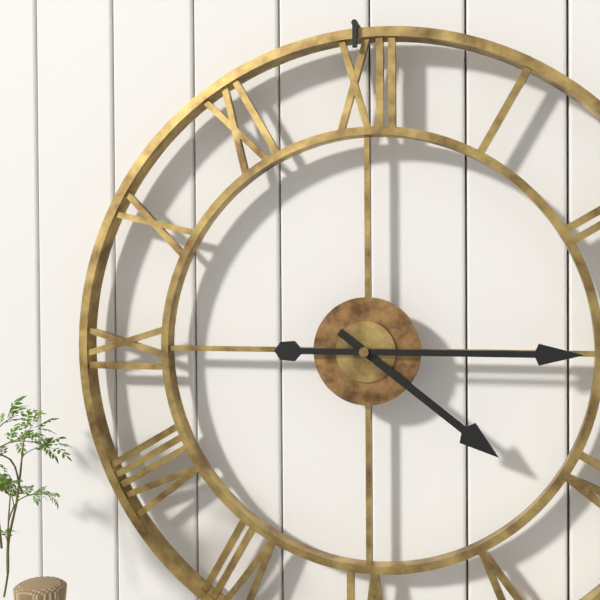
4:15
